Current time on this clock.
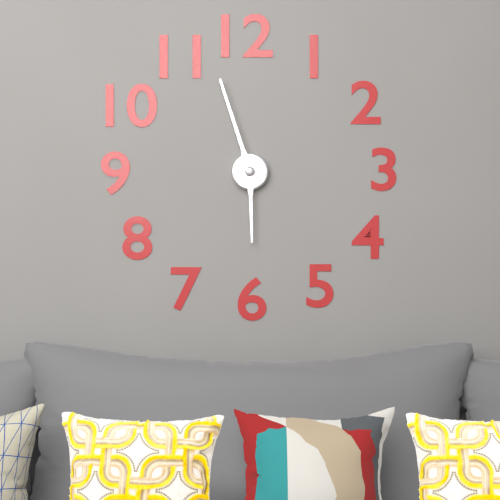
5:57
